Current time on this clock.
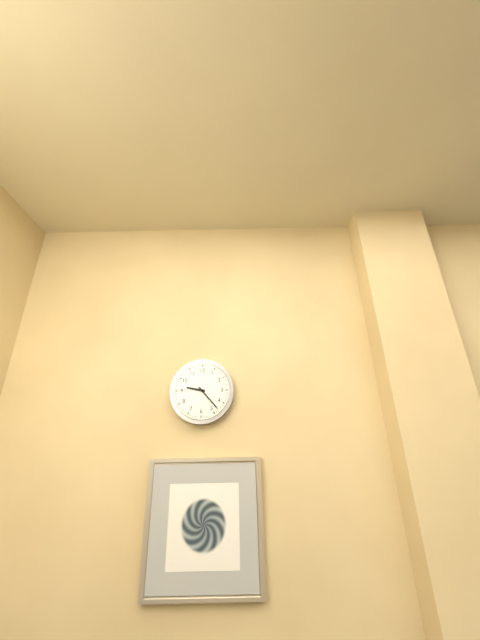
9:23
